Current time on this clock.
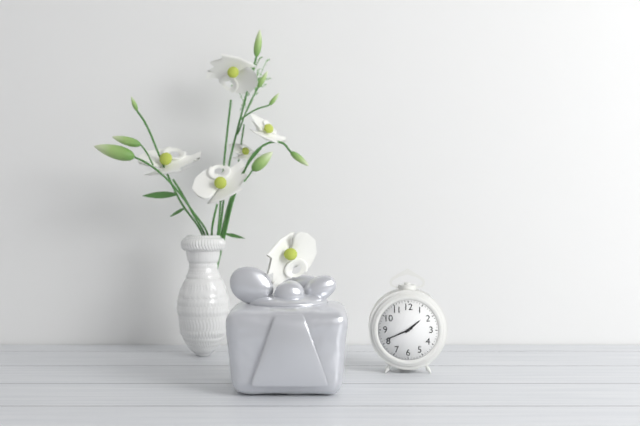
1:41
